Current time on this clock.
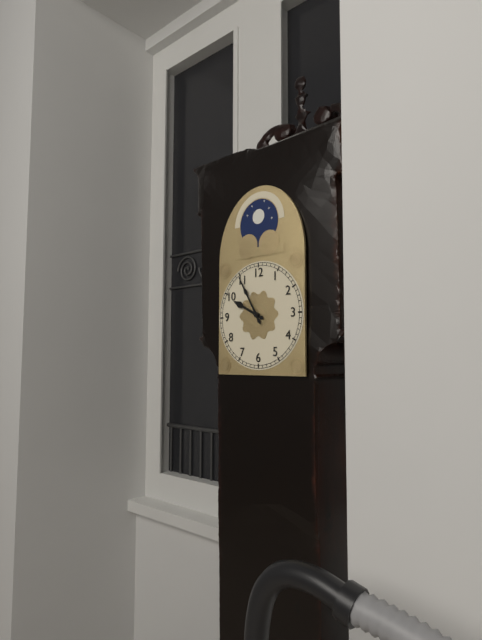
9:55
